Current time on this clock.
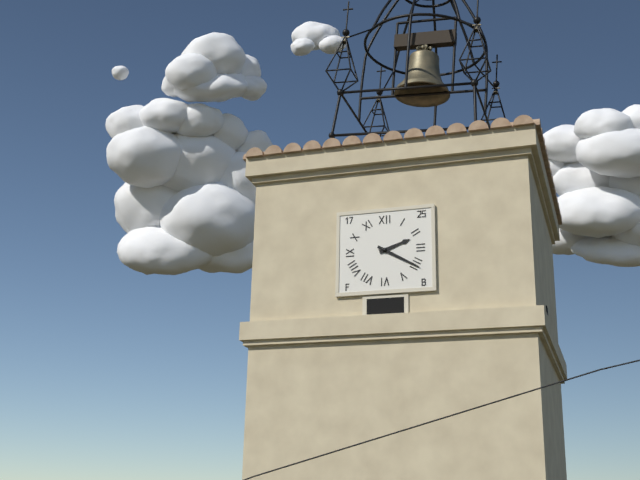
2:20
